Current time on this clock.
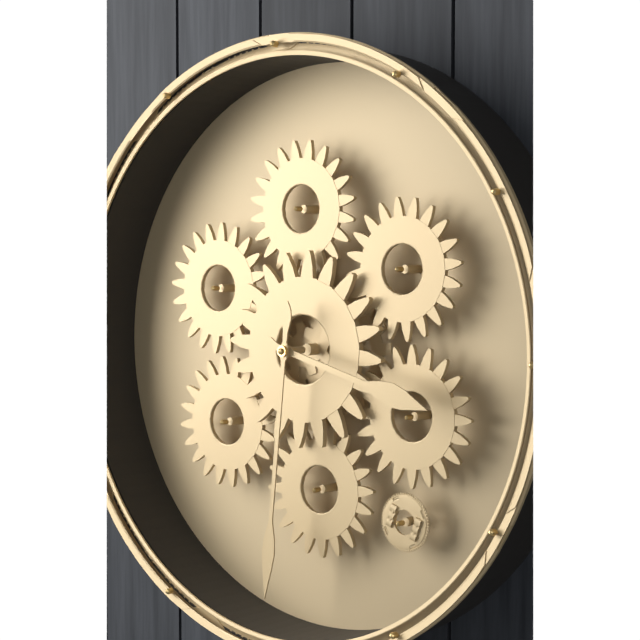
3:31
